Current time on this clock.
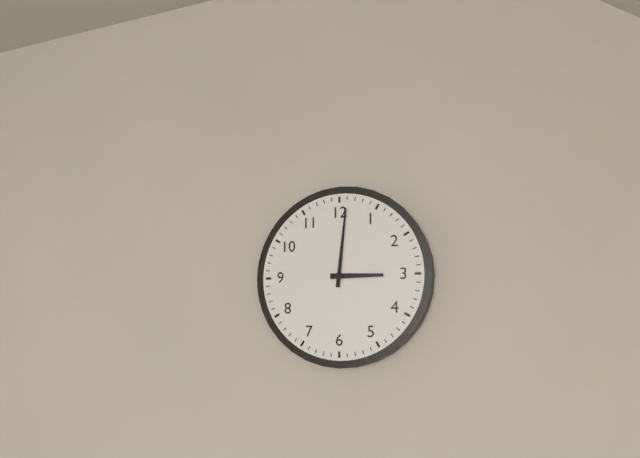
3:01
